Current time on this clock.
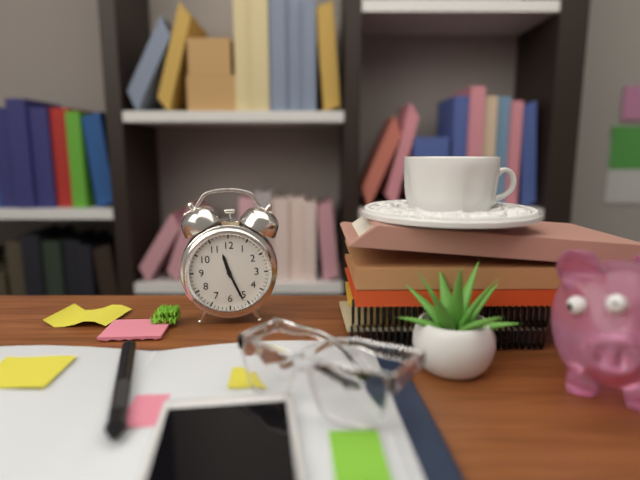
11:26
